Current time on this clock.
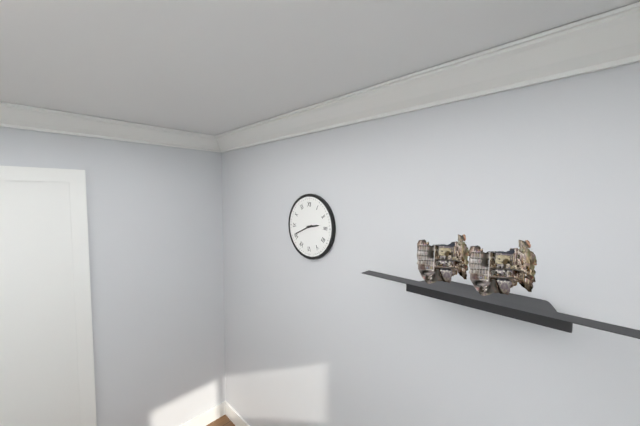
2:41
